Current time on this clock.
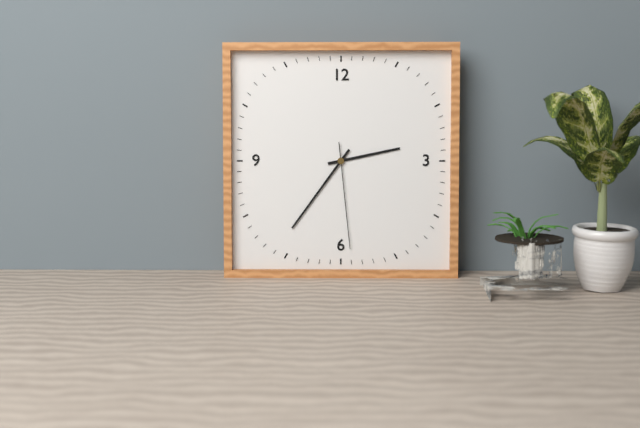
2:36:29
